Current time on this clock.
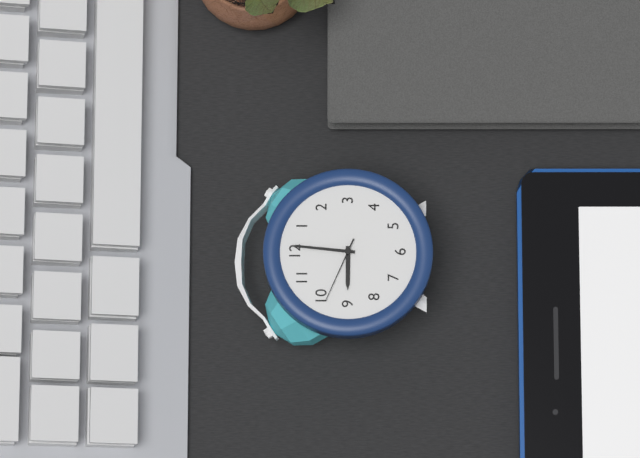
9:01:49
